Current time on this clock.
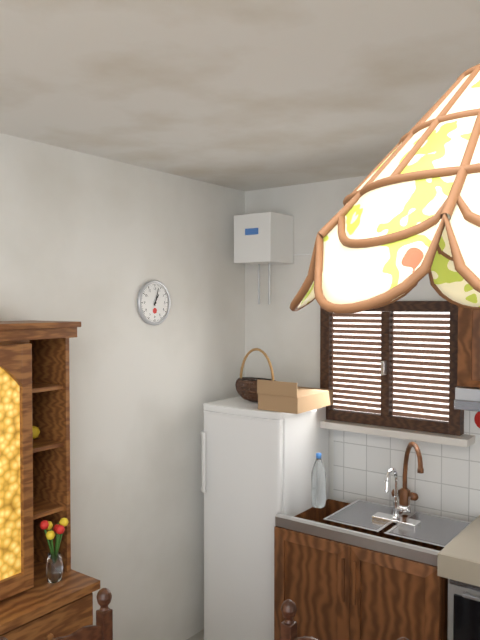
1:03
